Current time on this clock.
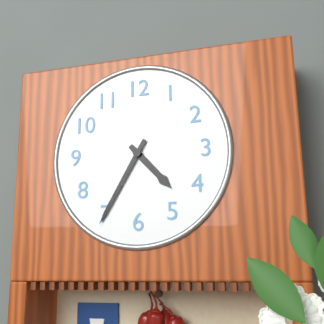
4:35
